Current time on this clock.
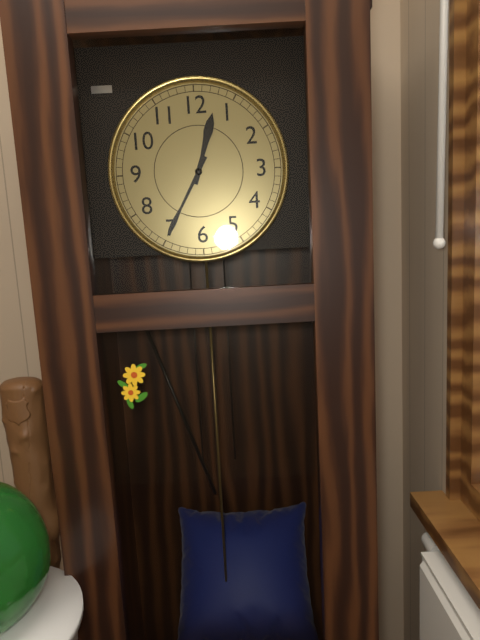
12:35
